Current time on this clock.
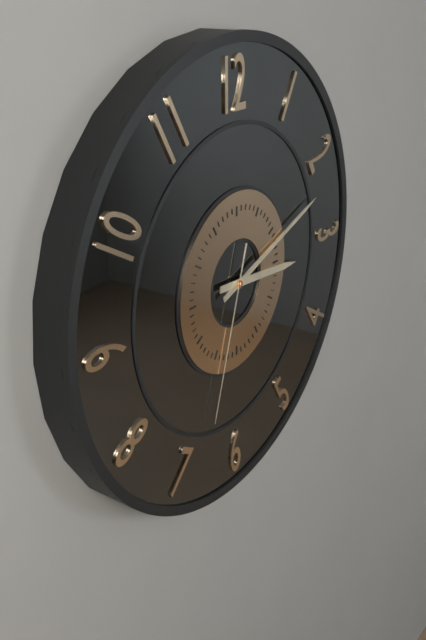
3:12:33
